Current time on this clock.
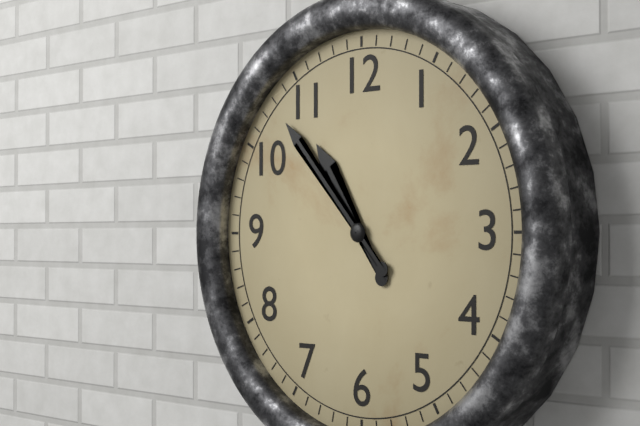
10:53
